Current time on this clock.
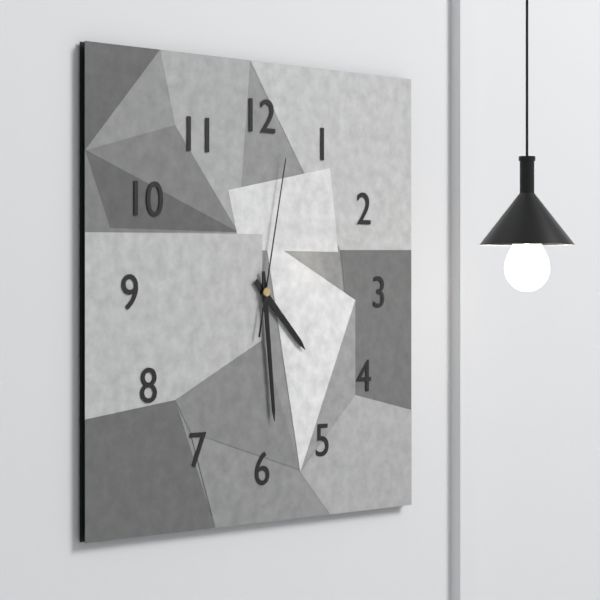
4:29:02
